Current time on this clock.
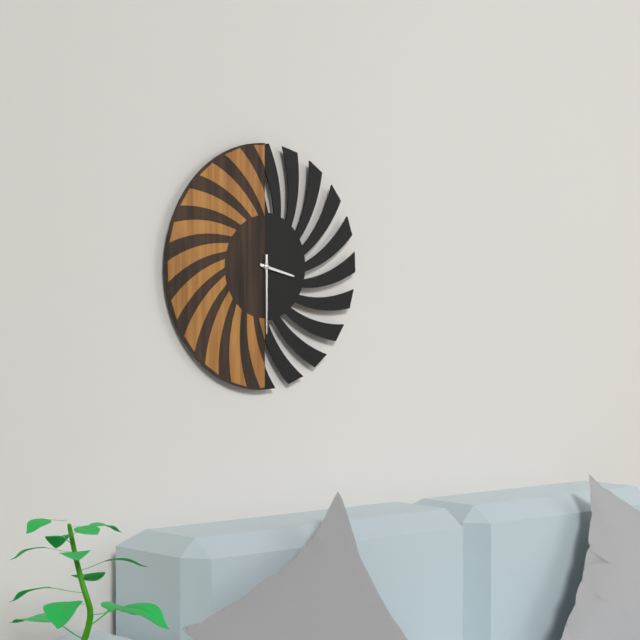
3:30
